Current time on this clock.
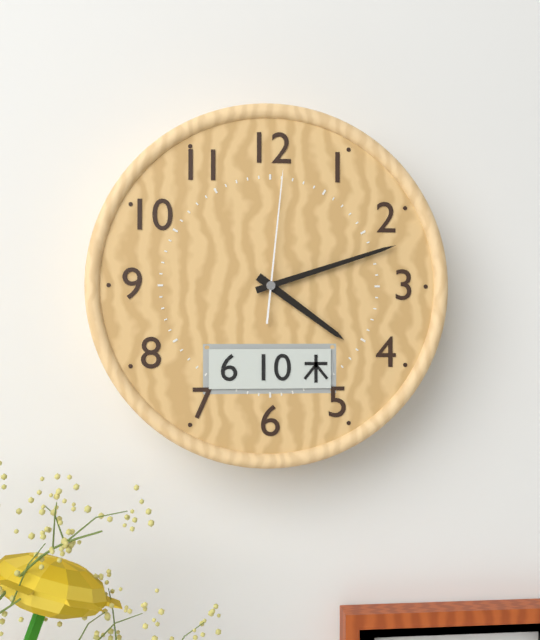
4:12:01
